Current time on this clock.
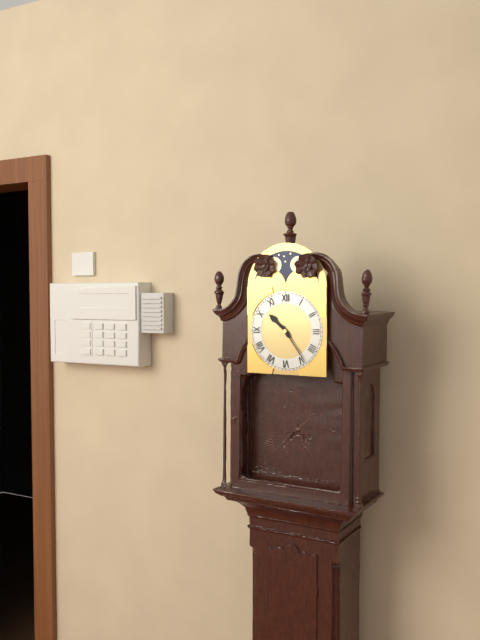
10:24
